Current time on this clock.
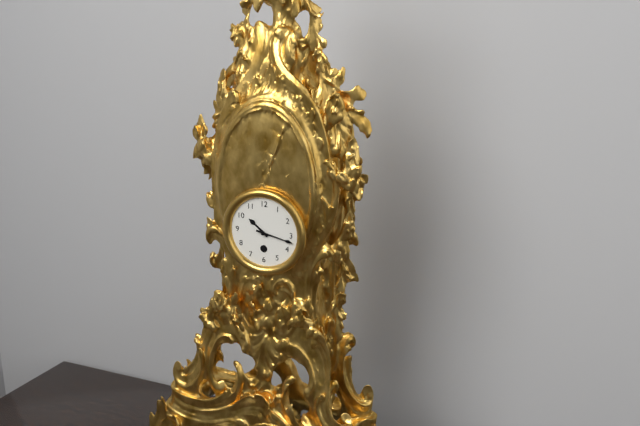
10:17
